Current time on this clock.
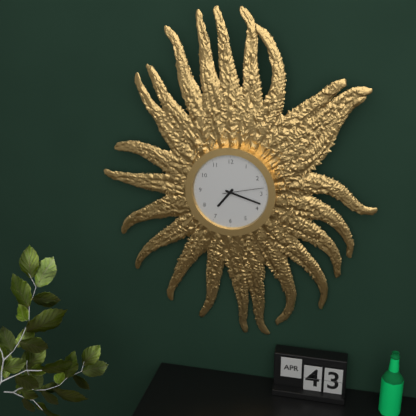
7:18
